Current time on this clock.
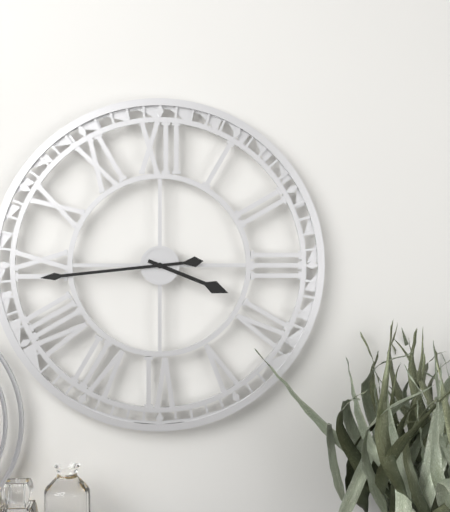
3:44
